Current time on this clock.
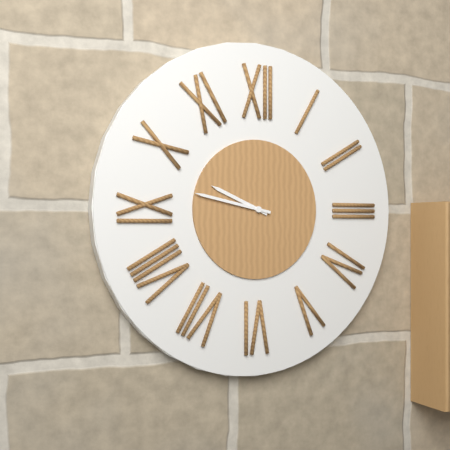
9:47
